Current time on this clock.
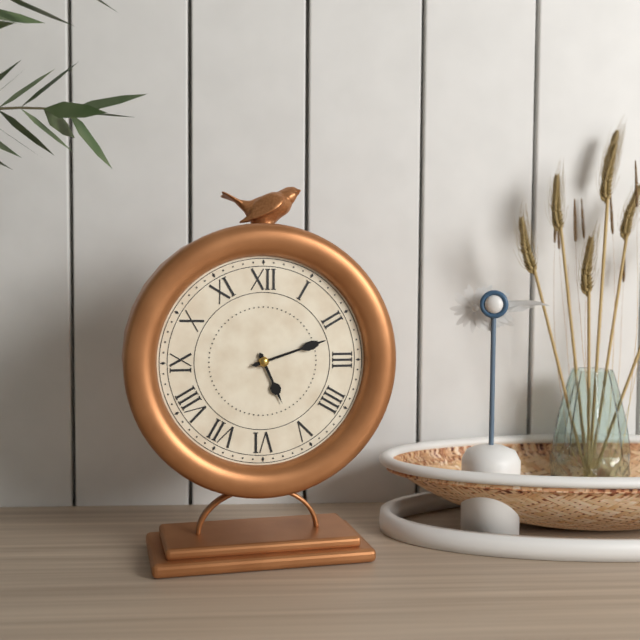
5:12
